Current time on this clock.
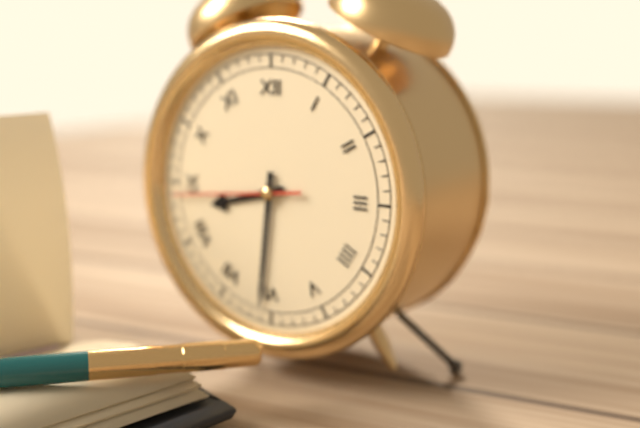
8:31:44
